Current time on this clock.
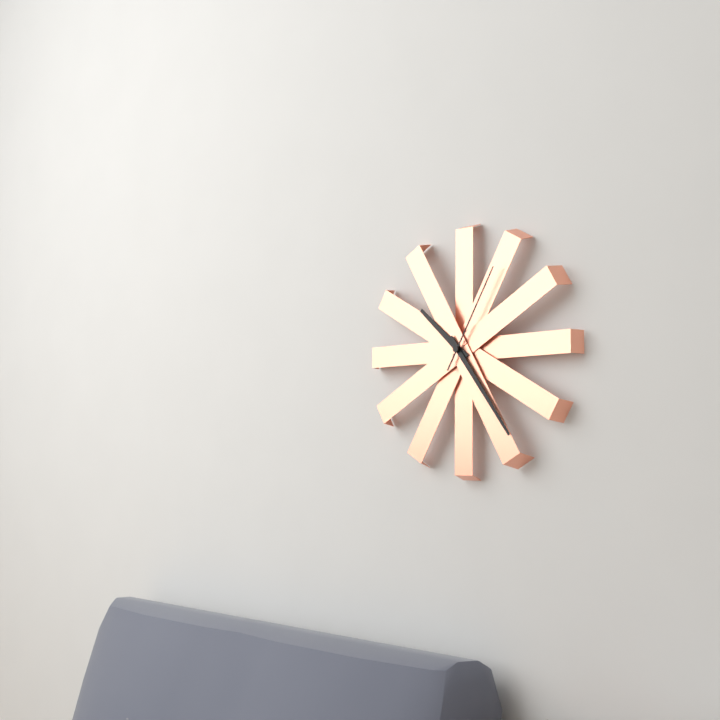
10:24:05
